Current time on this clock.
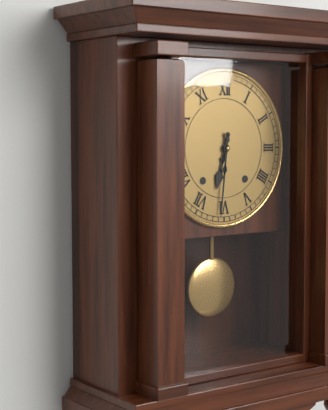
6:31
